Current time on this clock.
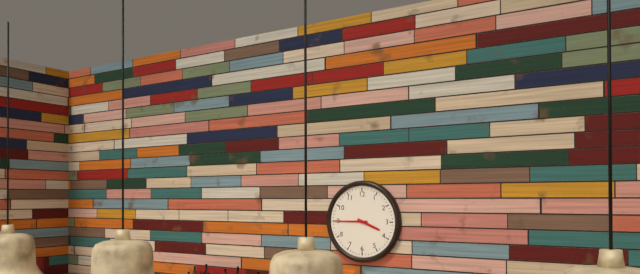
3:45
